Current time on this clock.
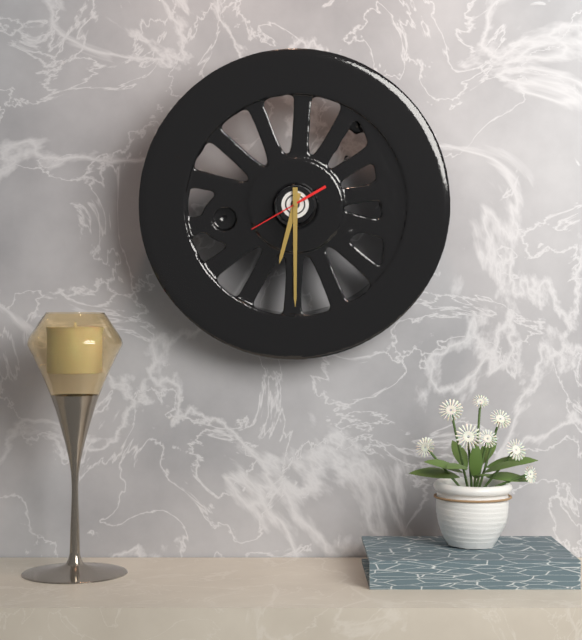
6:30:40
